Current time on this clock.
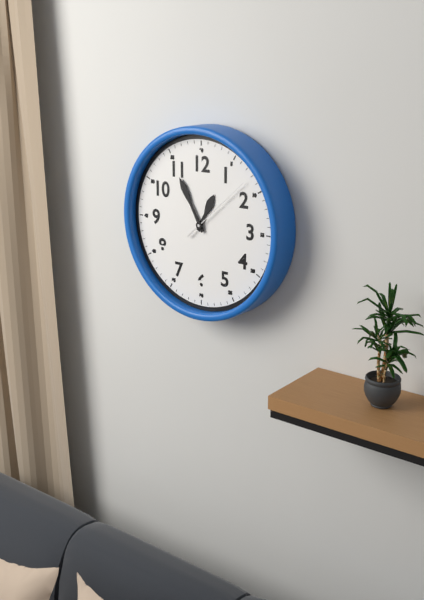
12:55:08
